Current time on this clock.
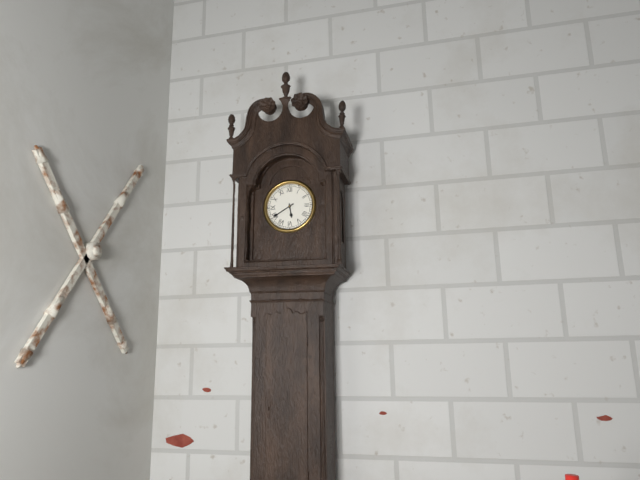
5:40
